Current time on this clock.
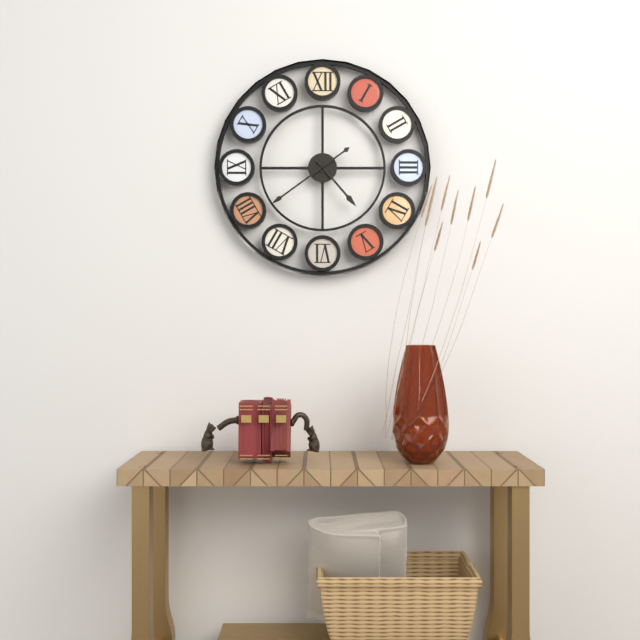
4:39
